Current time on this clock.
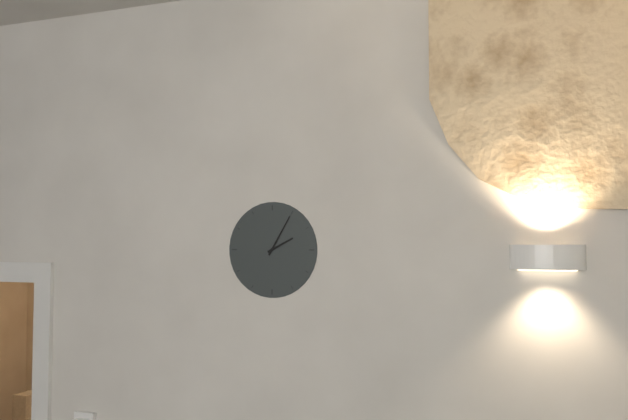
2:05
